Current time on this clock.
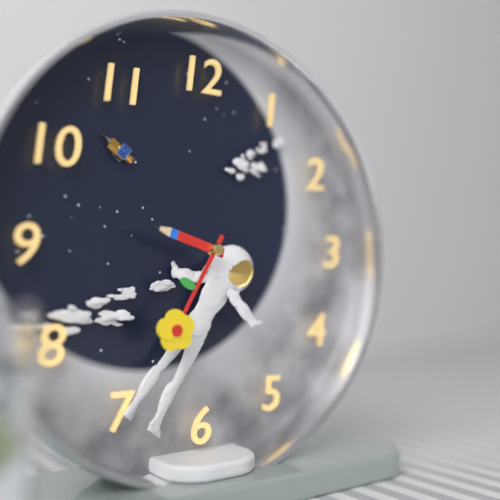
9:35
